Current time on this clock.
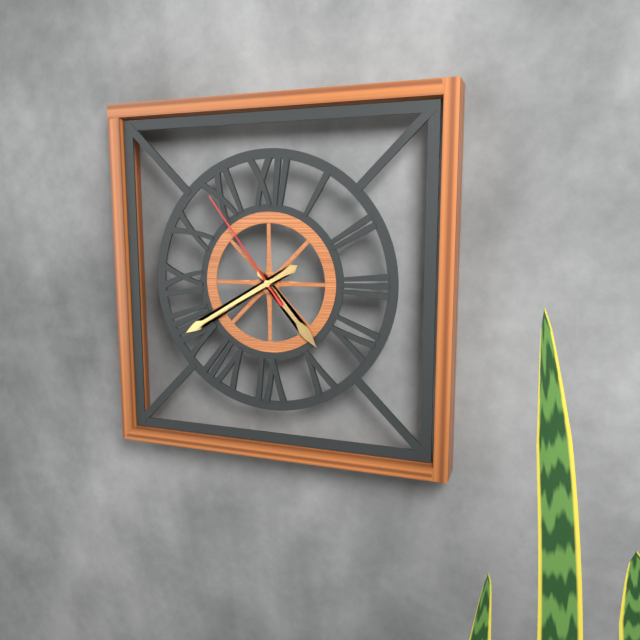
4:40:54
